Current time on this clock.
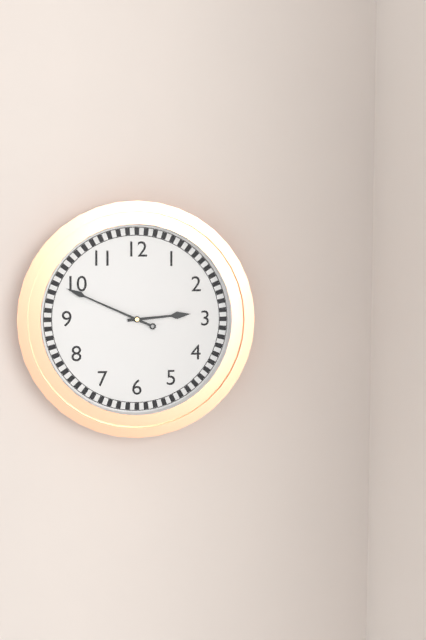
2:49
